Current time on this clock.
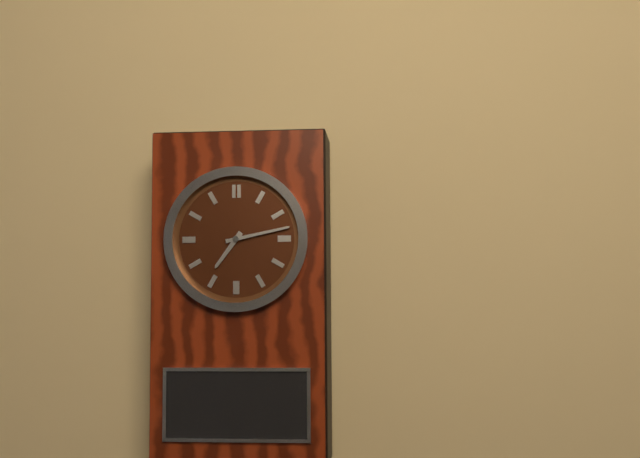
7:13
